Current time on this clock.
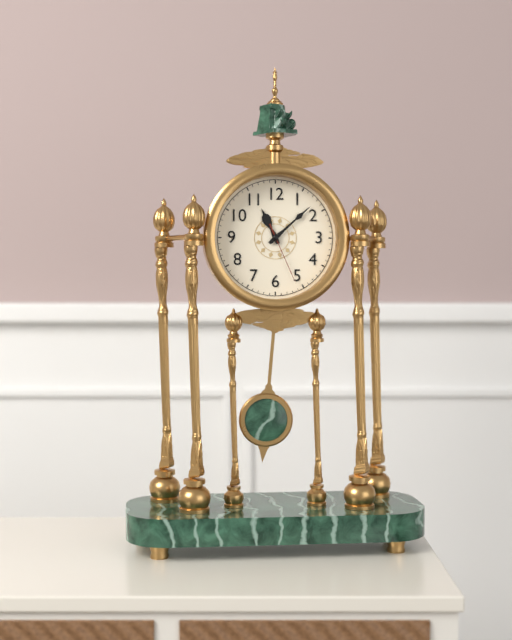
11:08:26
